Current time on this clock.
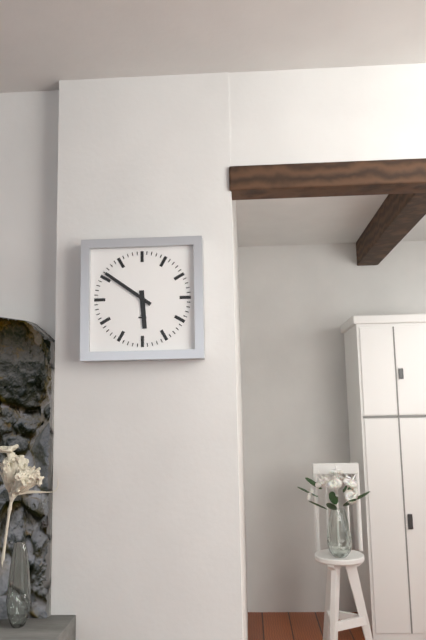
5:51
